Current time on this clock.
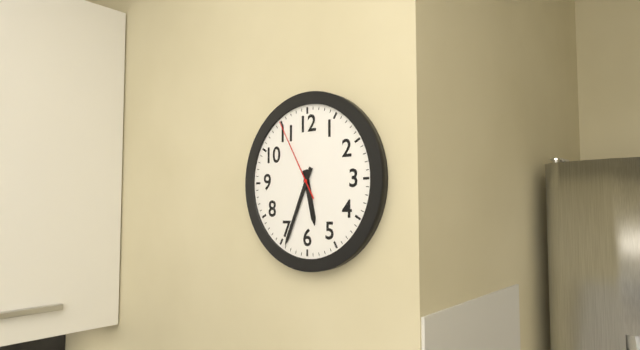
5:34:55
